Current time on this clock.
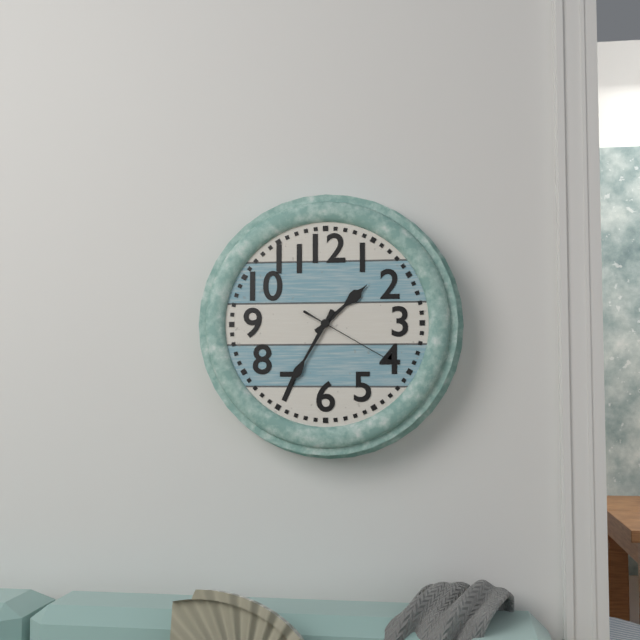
1:35:20
